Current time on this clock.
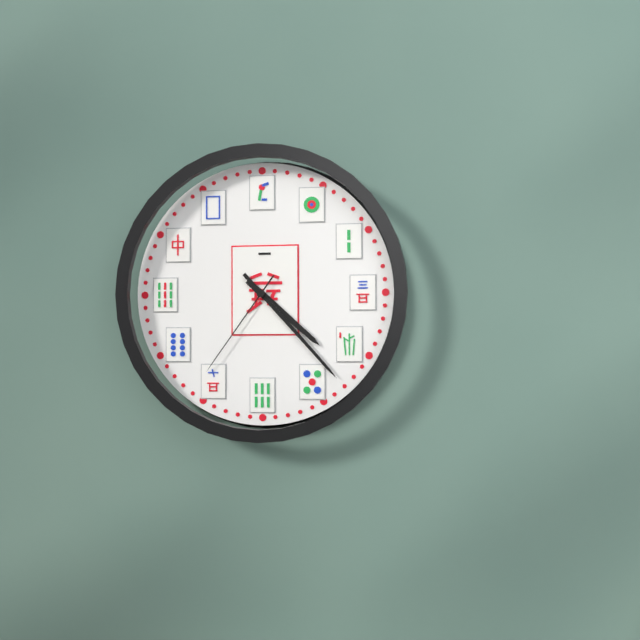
4:23:36
